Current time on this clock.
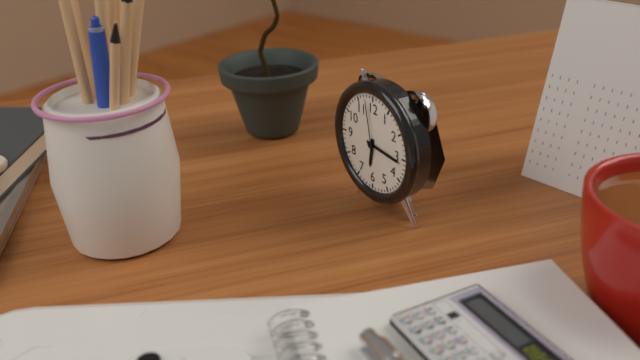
6:16:58
